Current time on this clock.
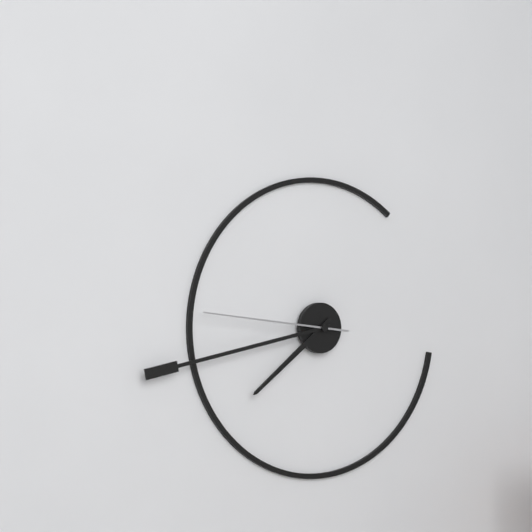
7:43:46
